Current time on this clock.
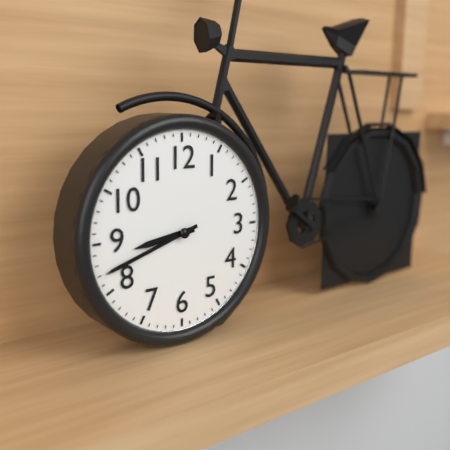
8:42
